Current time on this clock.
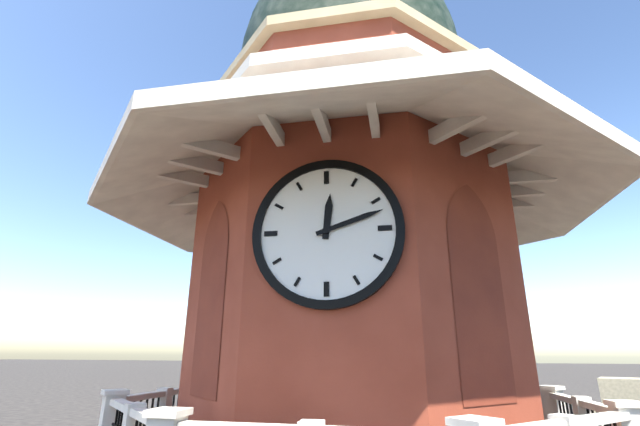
12:12
